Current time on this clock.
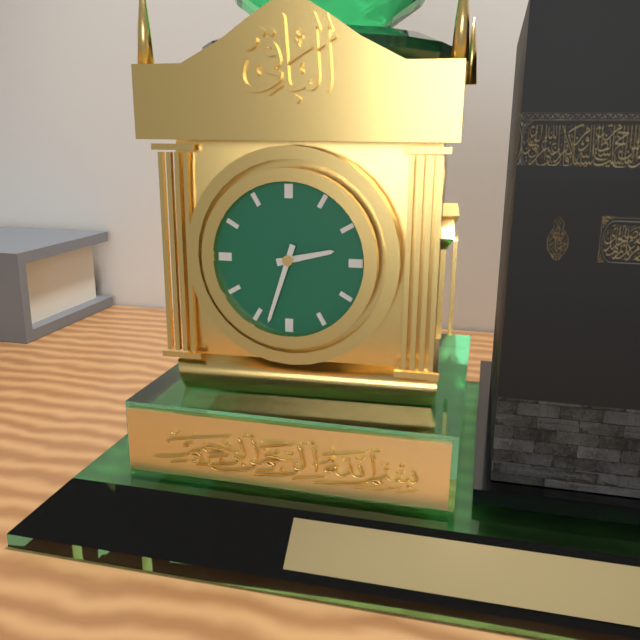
2:33
